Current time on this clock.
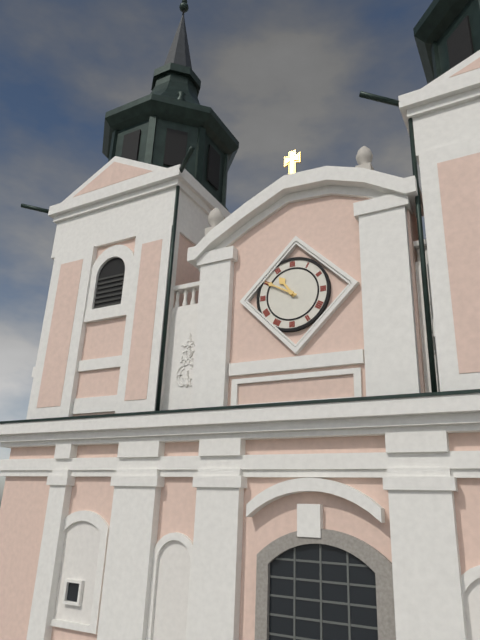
10:50
